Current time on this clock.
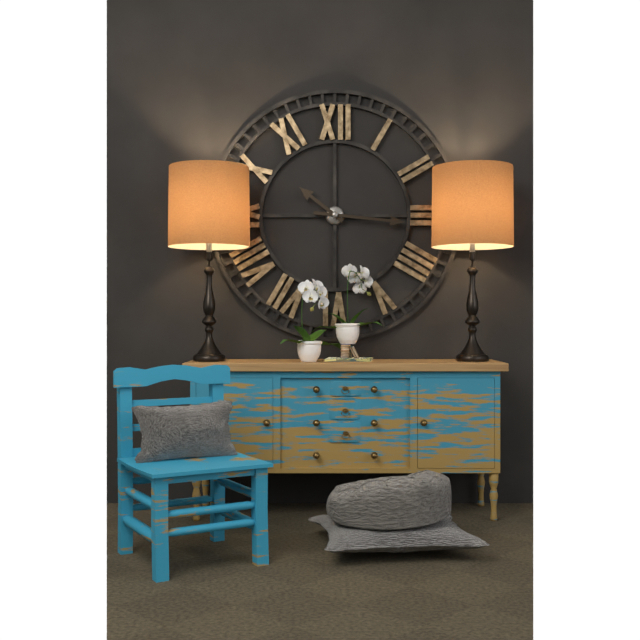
10:16
